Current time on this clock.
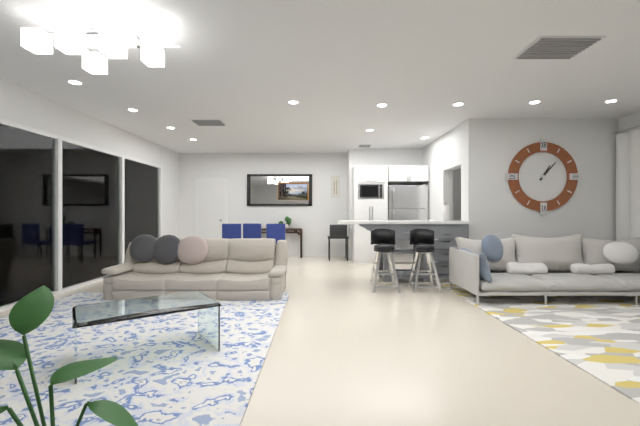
1:07
